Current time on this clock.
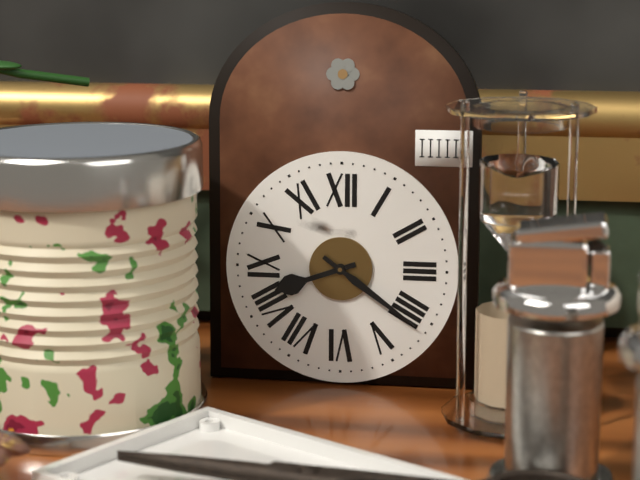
8:21
